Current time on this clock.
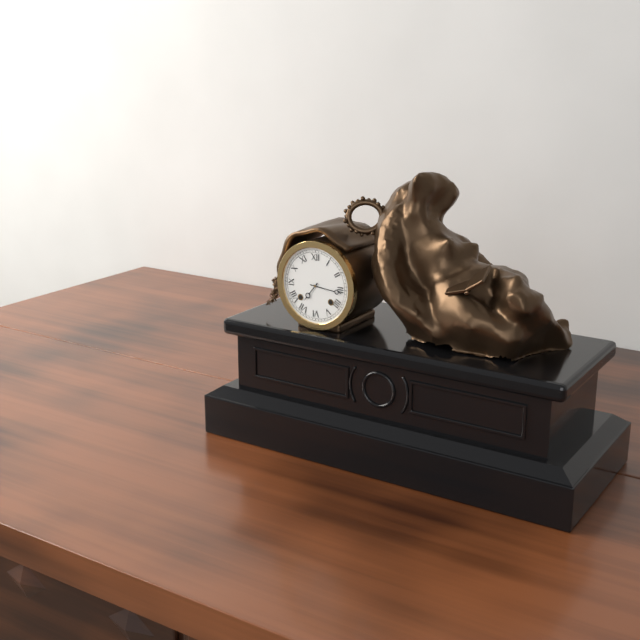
7:16
